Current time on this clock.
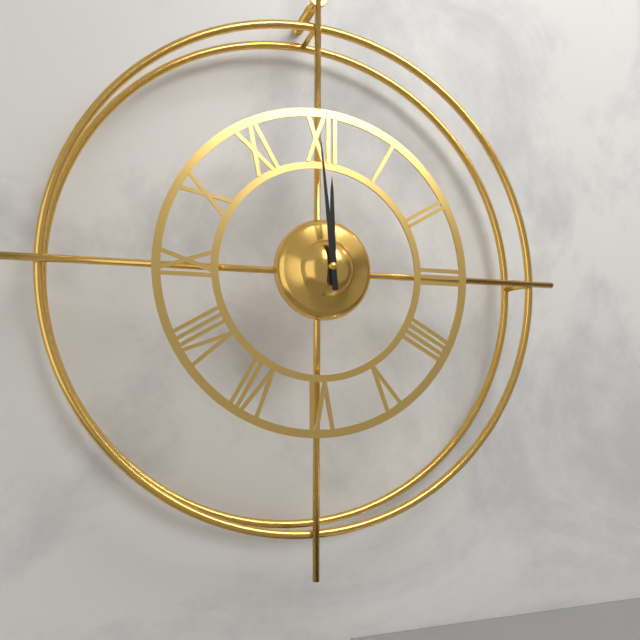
11:59
